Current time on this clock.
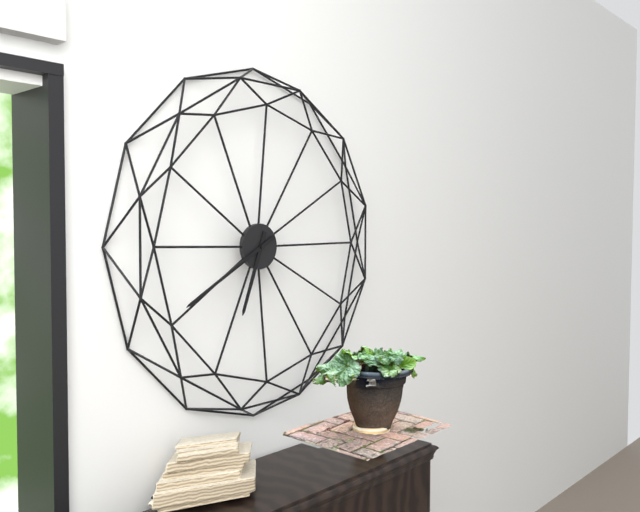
6:40
